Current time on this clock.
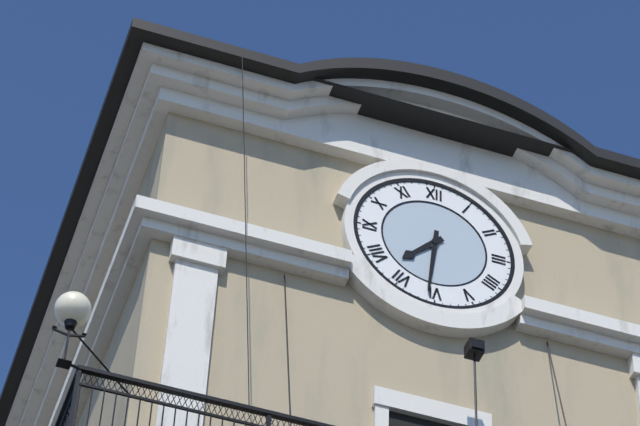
7:31
